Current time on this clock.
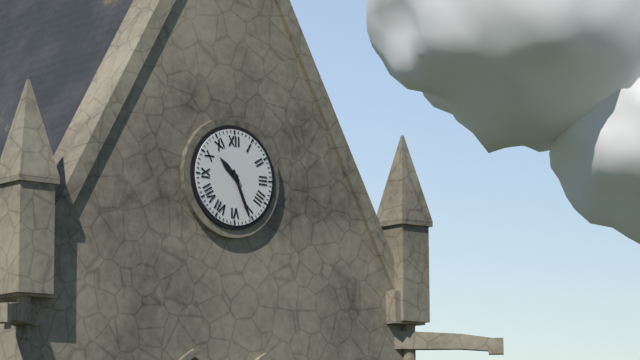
10:26
